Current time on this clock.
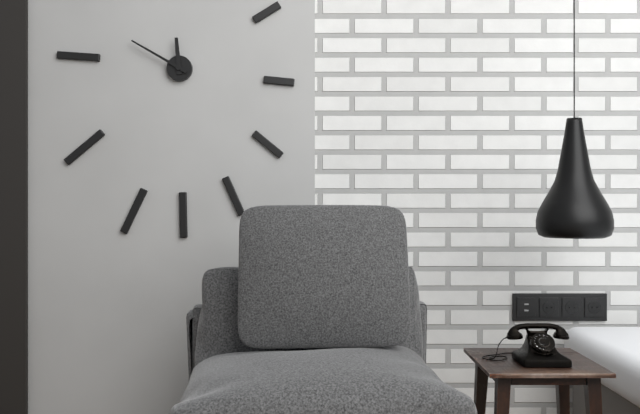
11:50
